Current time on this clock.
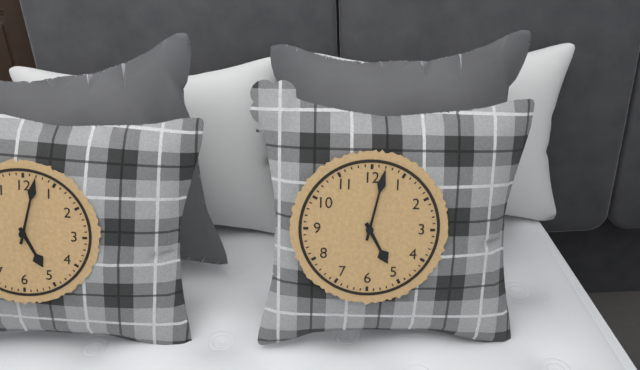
5:02
